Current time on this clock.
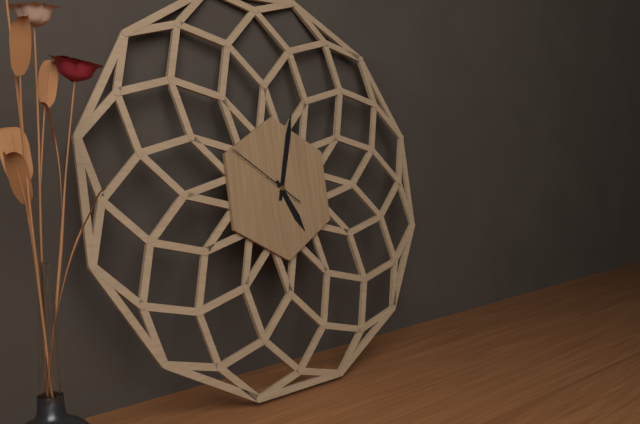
5:03:51
